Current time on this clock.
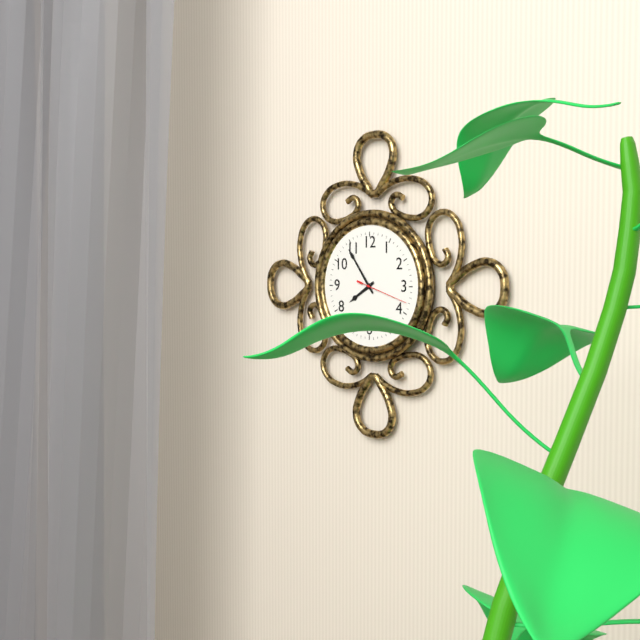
7:54:18
